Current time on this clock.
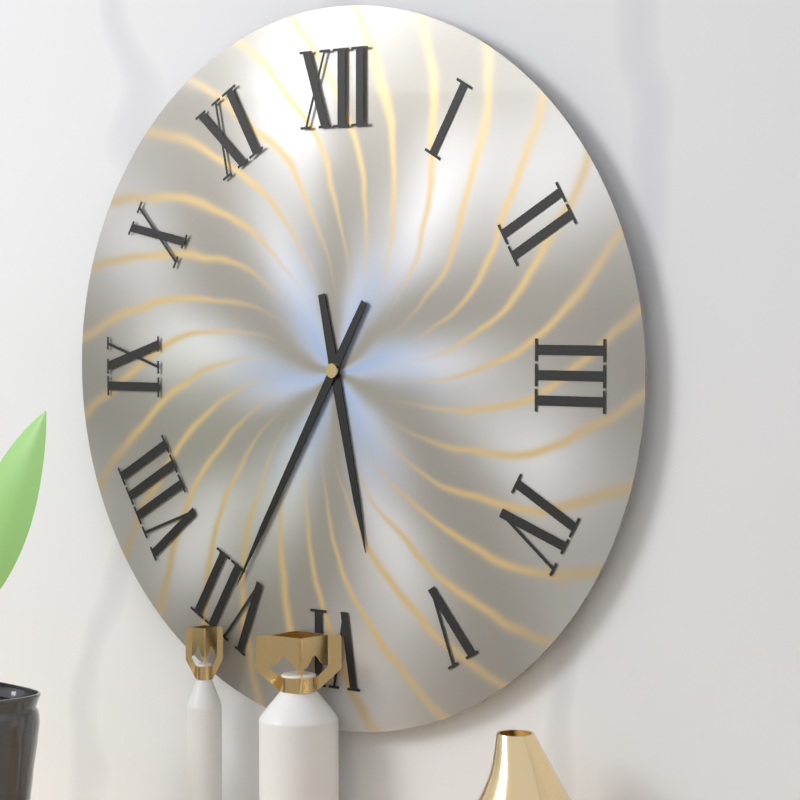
5:35
